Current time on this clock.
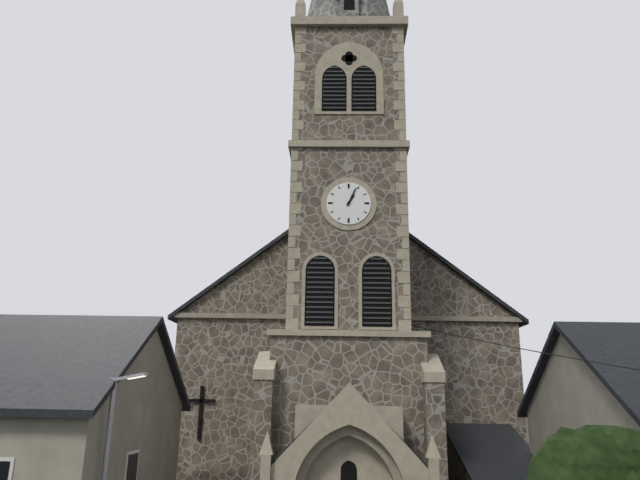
1:04
